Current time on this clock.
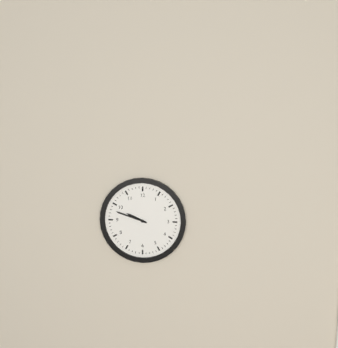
9:48
